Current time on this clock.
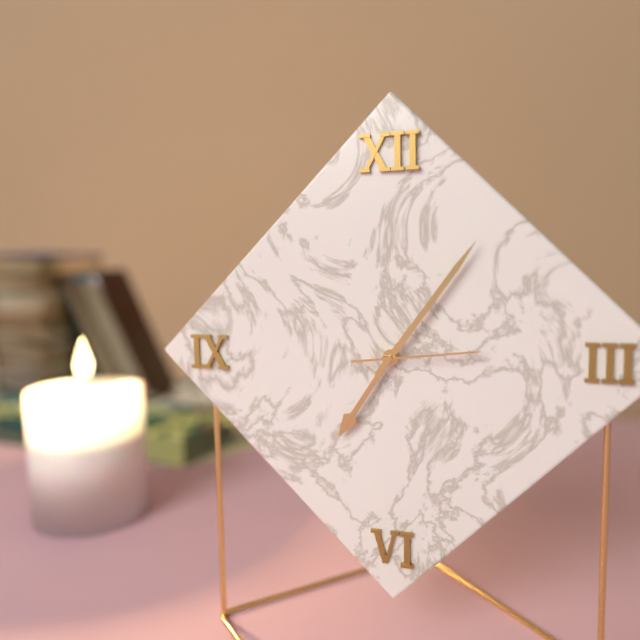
7:06:14
